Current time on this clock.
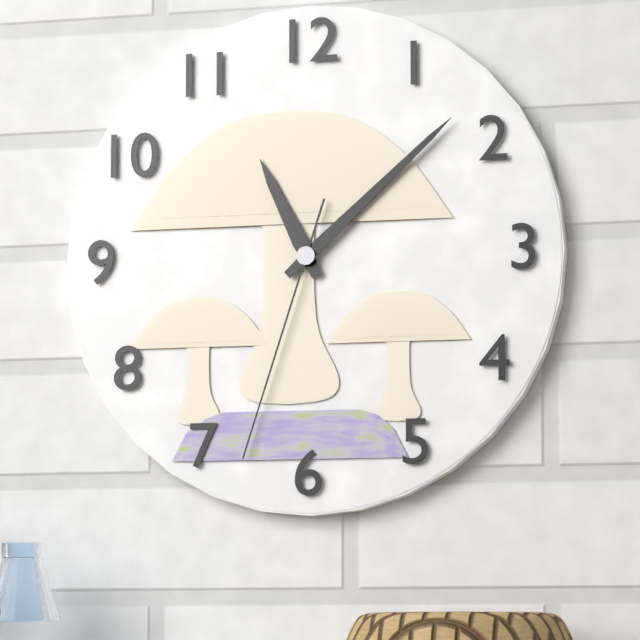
11:08:33
